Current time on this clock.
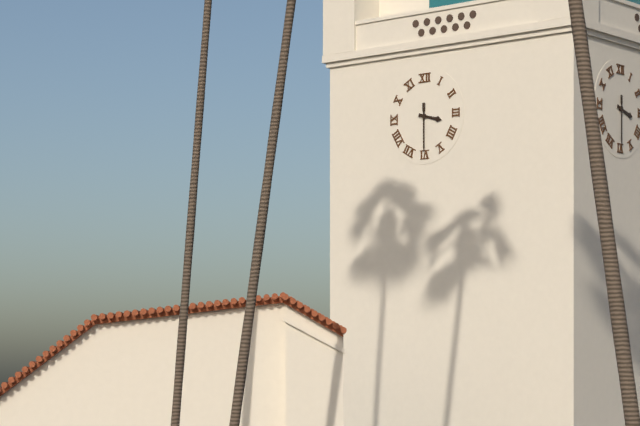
3:30
